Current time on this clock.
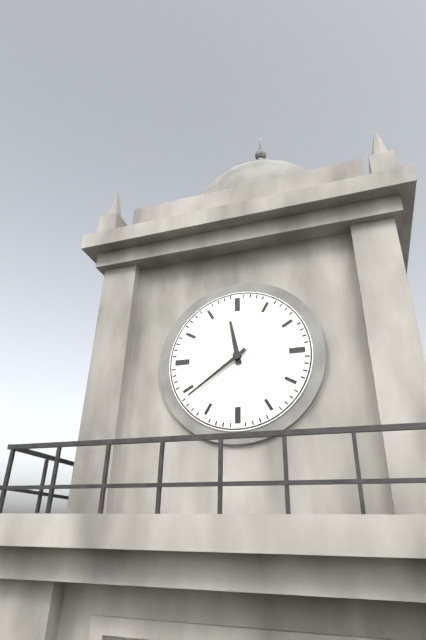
11:39
